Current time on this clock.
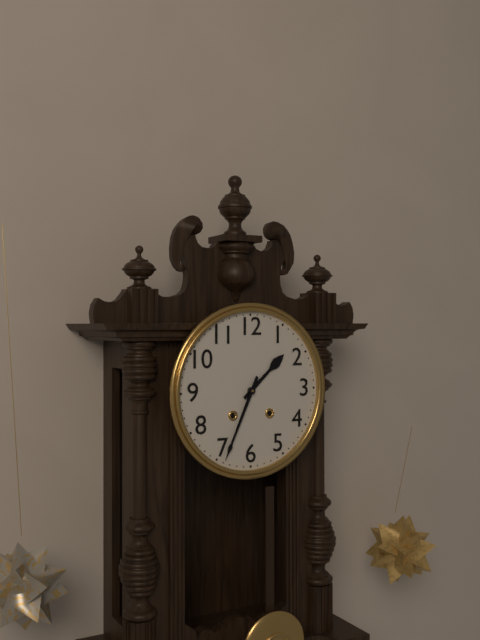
1:34
